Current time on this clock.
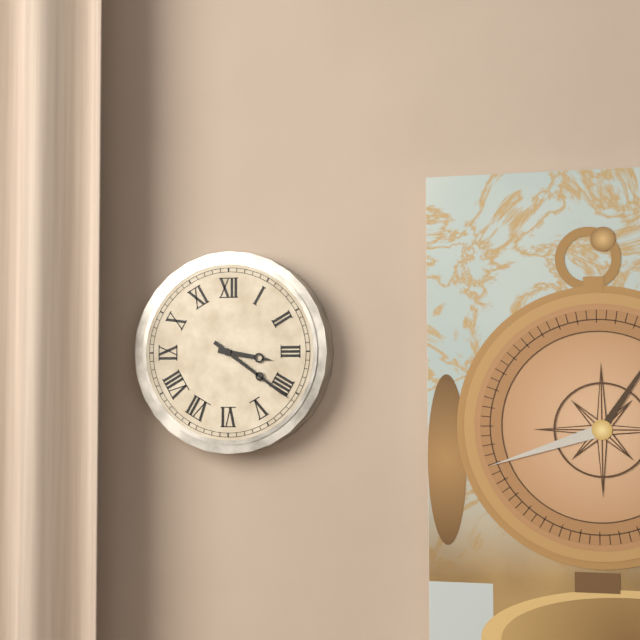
3:21
